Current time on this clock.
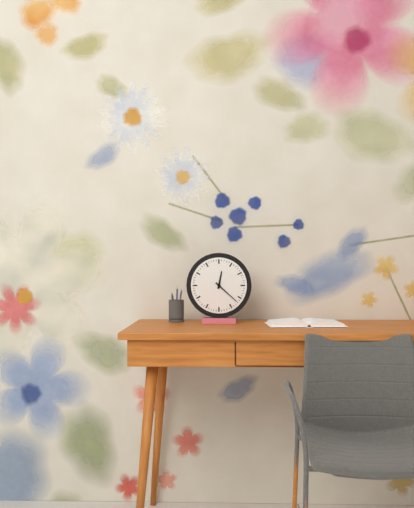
12:22
